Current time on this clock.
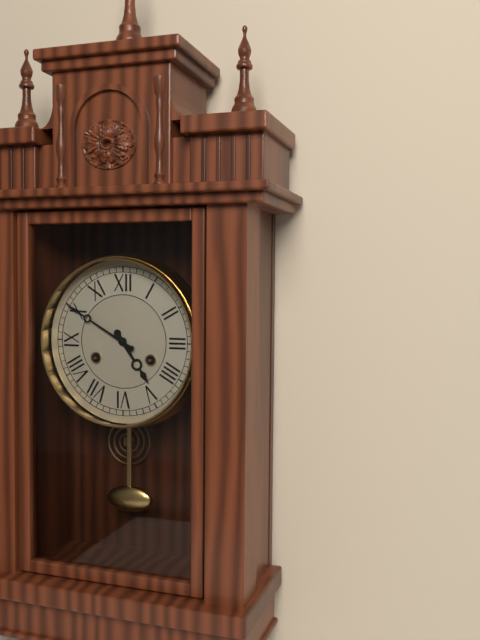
4:50
